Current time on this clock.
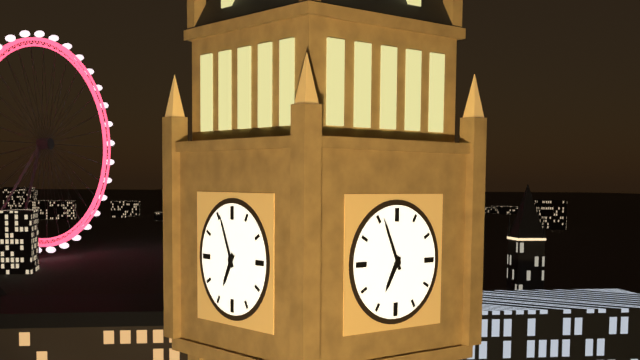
6:56
